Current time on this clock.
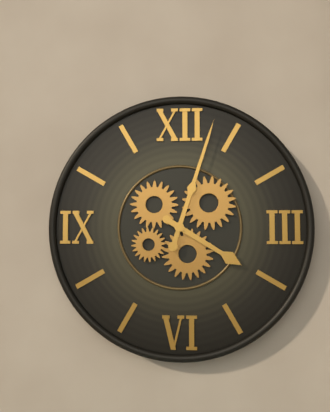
4:03
